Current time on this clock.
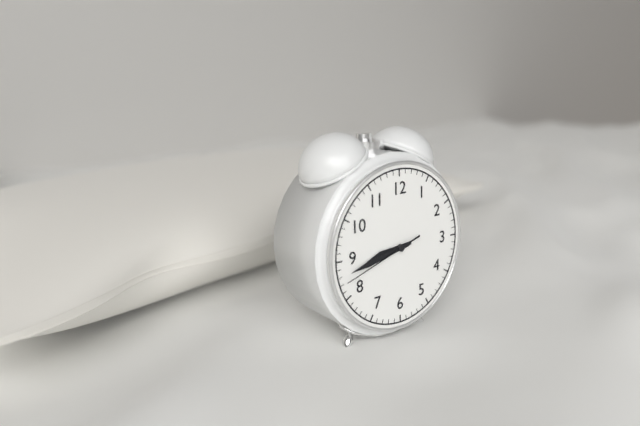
8:43:42
